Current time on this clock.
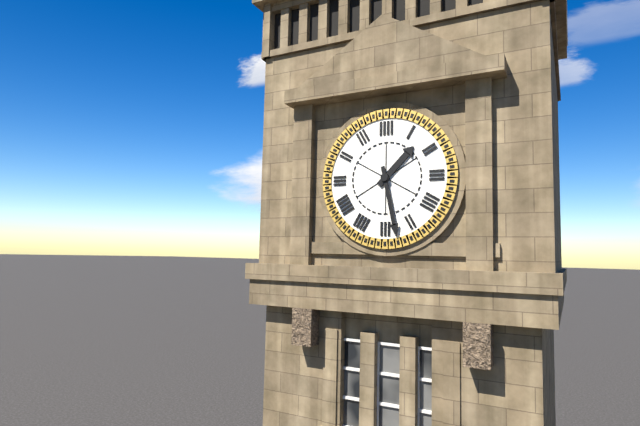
1:28
